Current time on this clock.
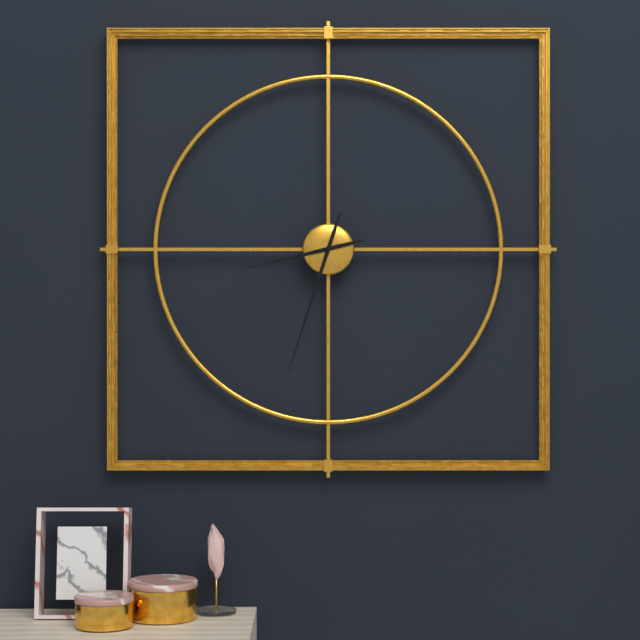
8:33
